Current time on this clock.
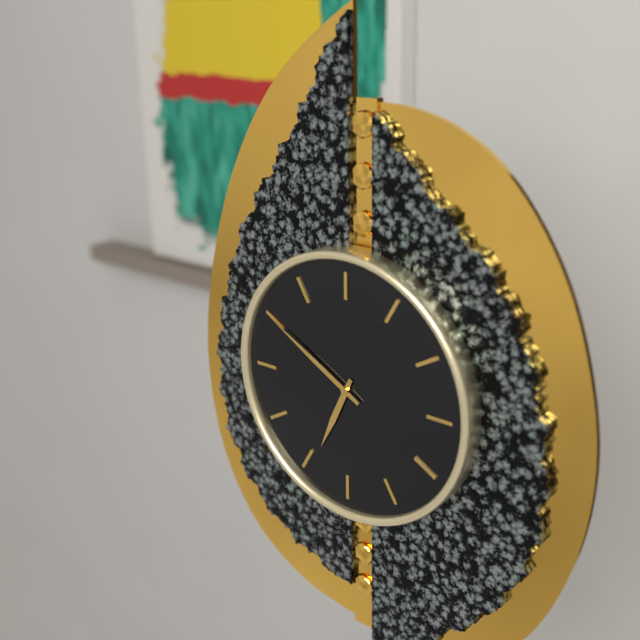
6:50
